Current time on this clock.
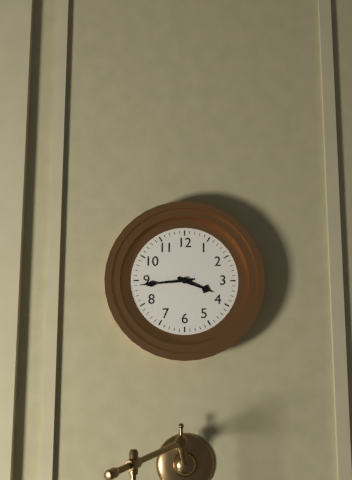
3:44
